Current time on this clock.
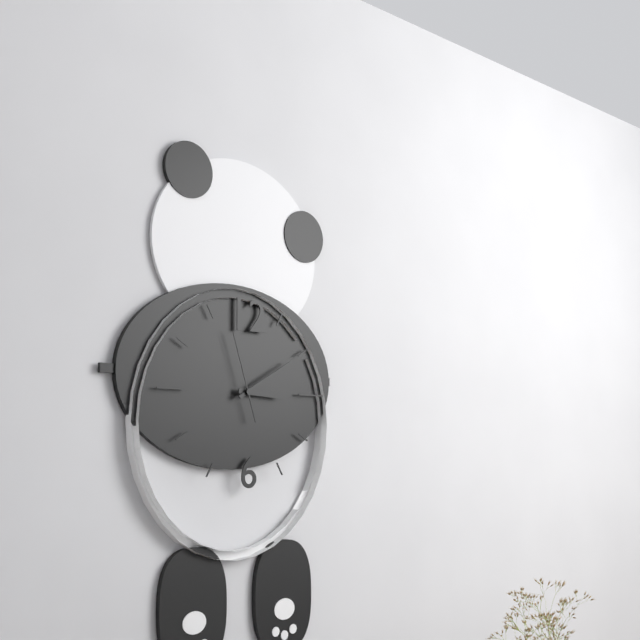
3:10:57
